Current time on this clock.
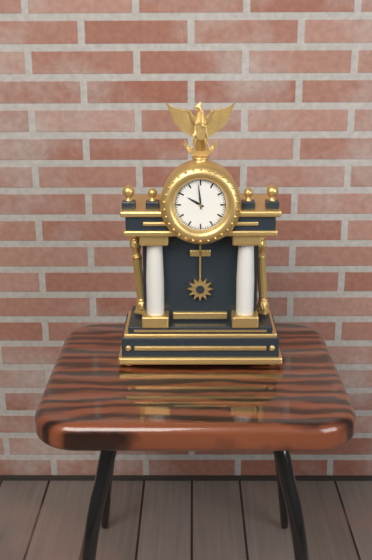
9:59
